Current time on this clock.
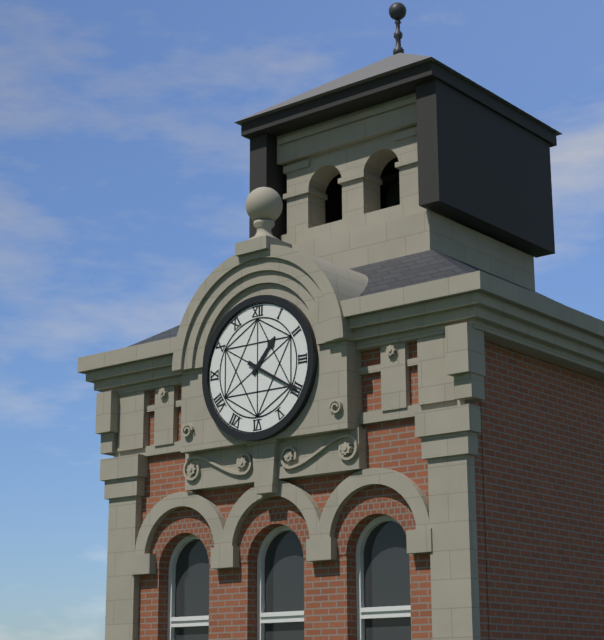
1:20
